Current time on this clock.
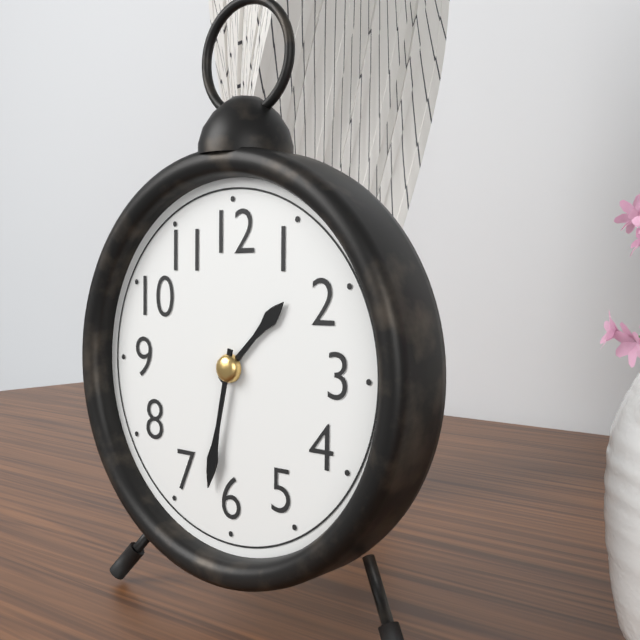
1:32
